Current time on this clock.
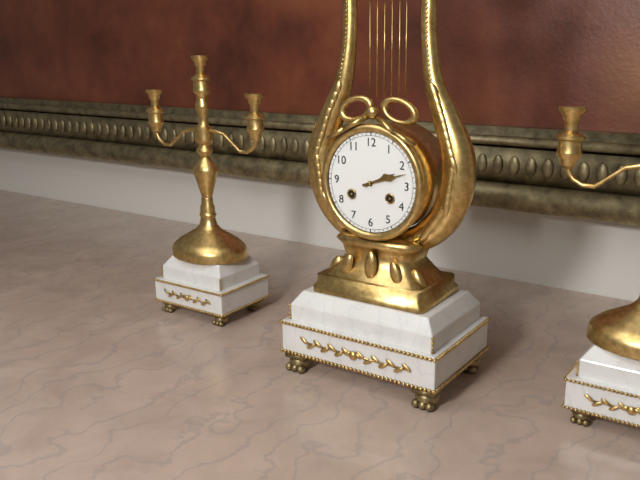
2:12
